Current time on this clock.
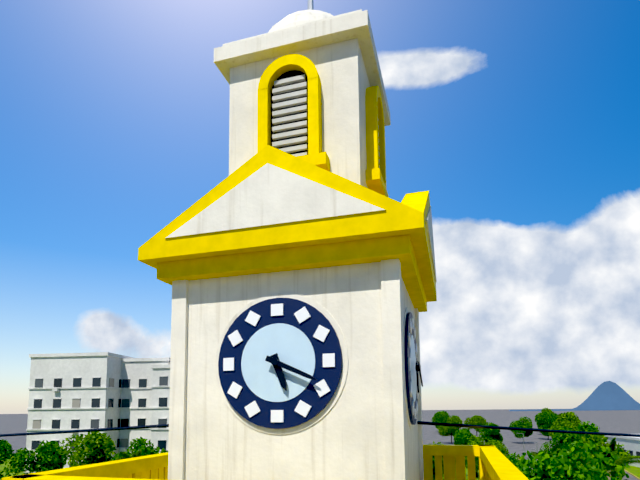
5:19
